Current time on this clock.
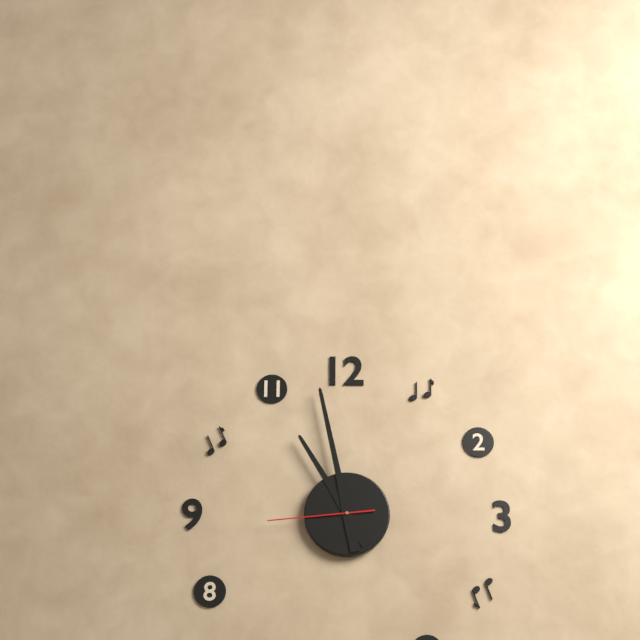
10:58:44
